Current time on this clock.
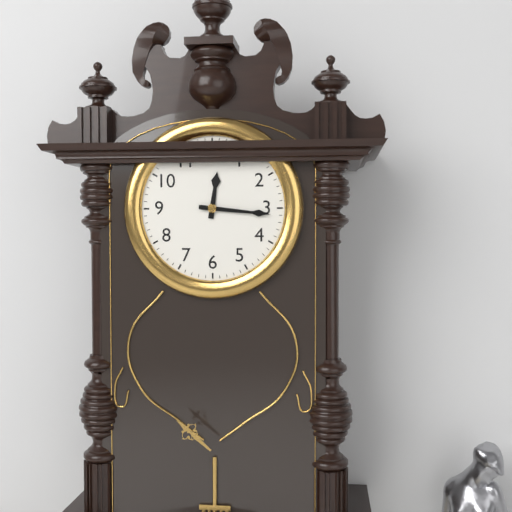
12:16
